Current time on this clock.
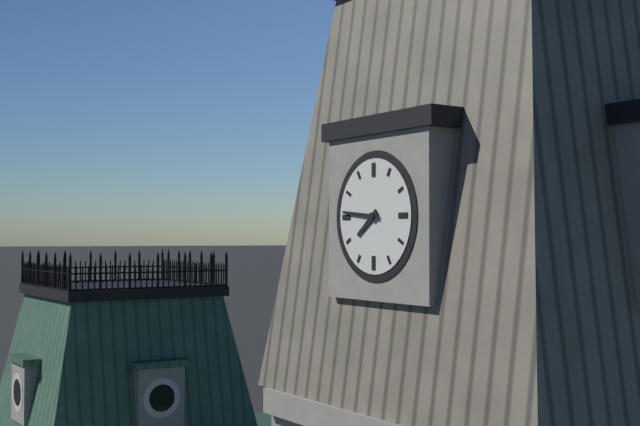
7:46
